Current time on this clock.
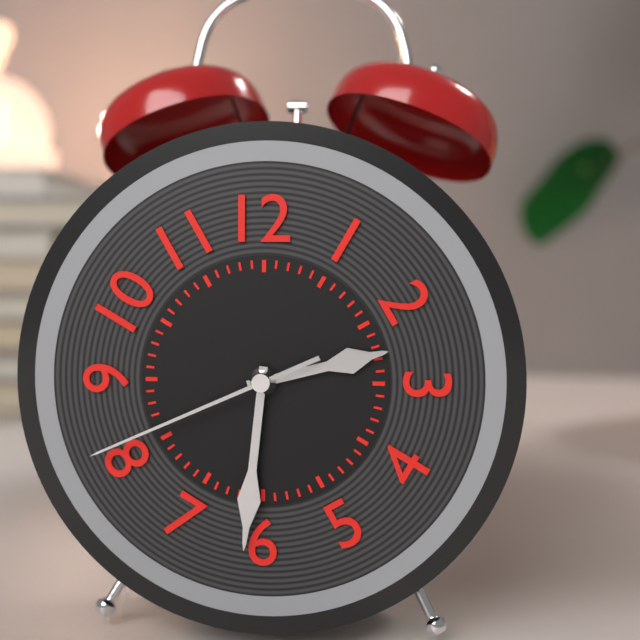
2:31:41
